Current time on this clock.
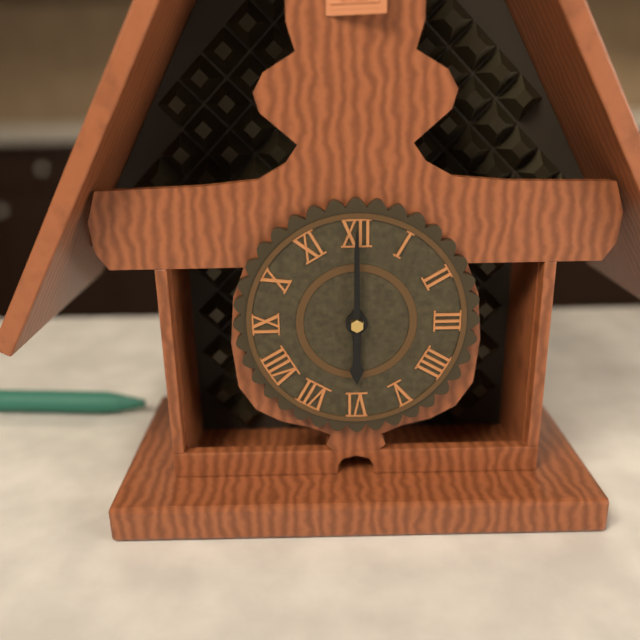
6:00
